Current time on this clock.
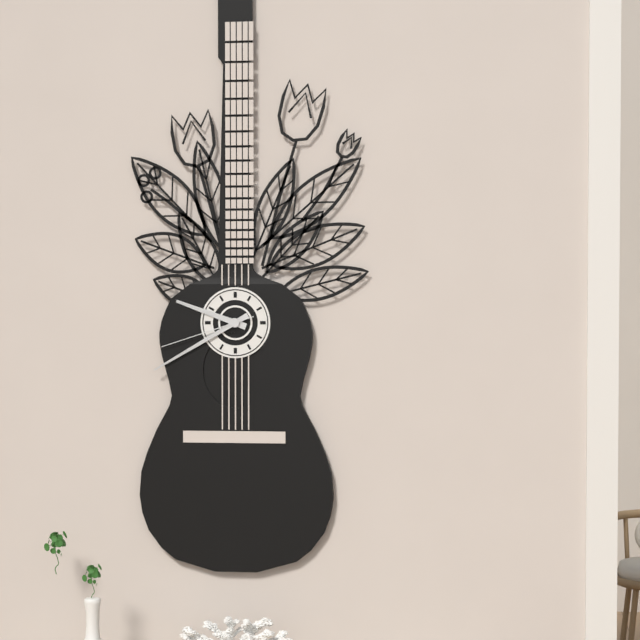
9:40:42
